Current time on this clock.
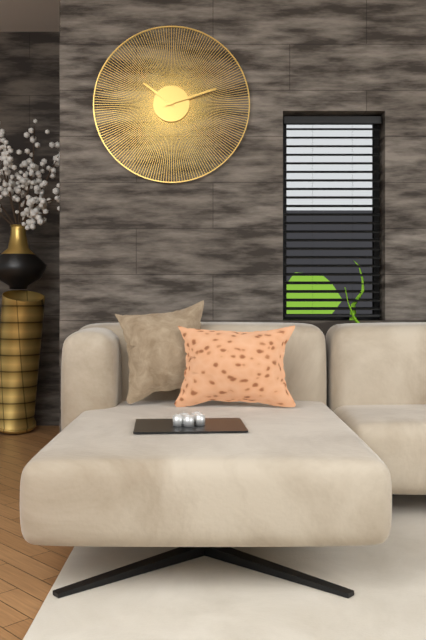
10:12
